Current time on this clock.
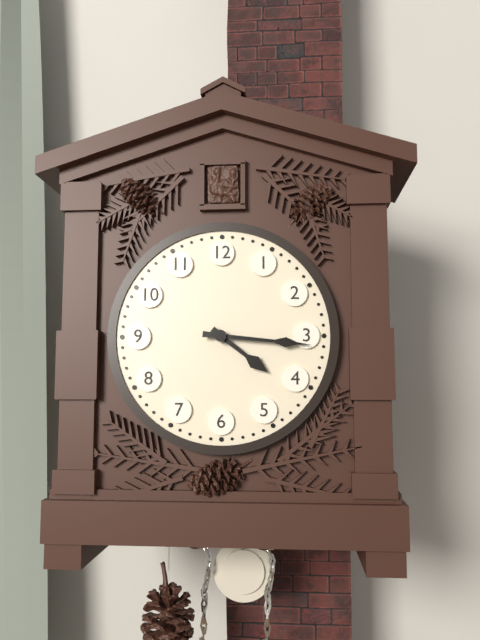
4:16
